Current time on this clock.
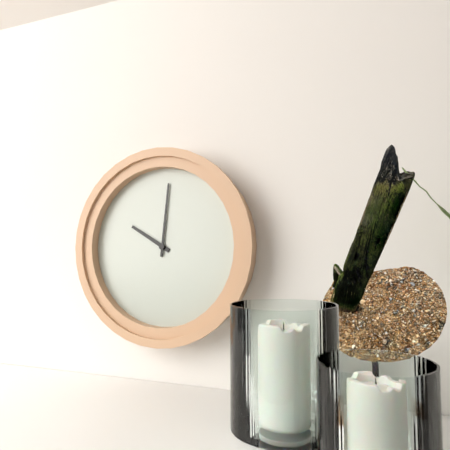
10:01
